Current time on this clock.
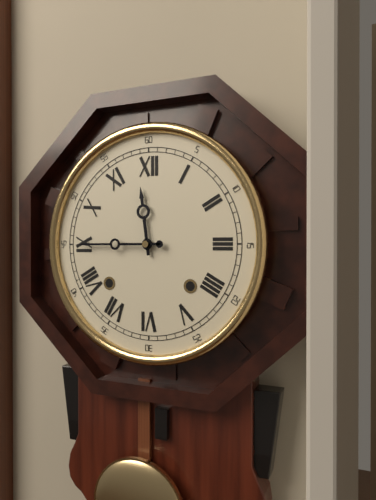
11:45
